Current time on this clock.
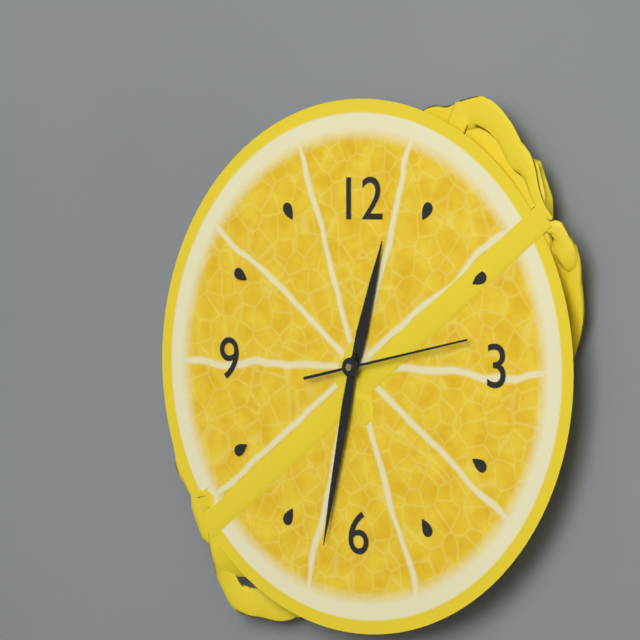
12:32:13
